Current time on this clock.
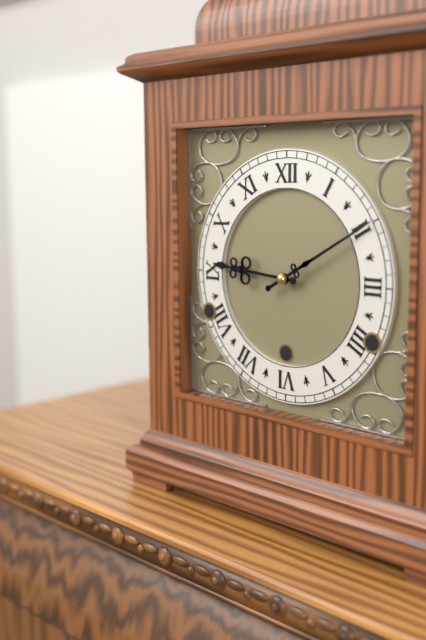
9:10
